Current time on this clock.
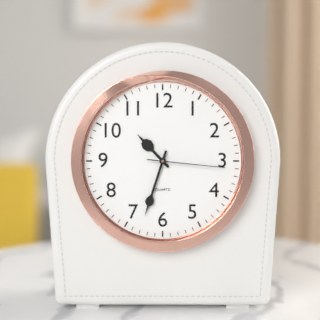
10:33:16
